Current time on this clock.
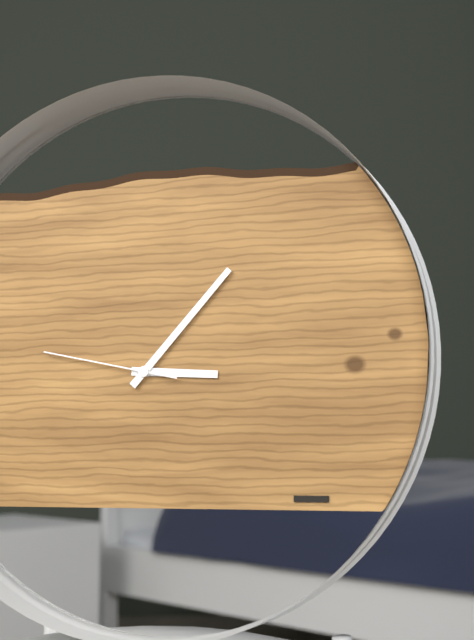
3:07:47
